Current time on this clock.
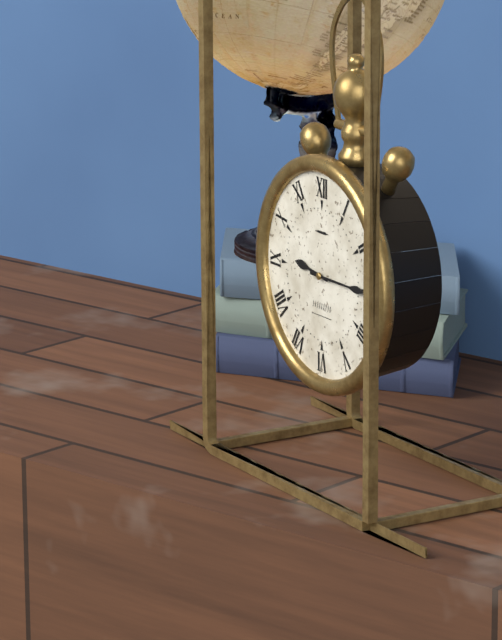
9:15
